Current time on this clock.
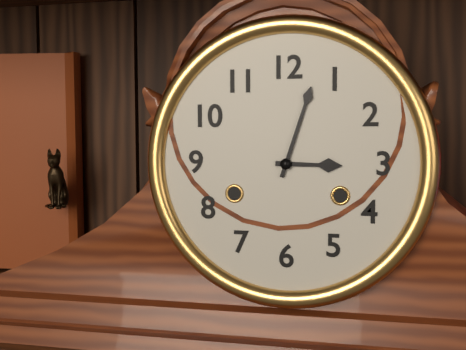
3:03
